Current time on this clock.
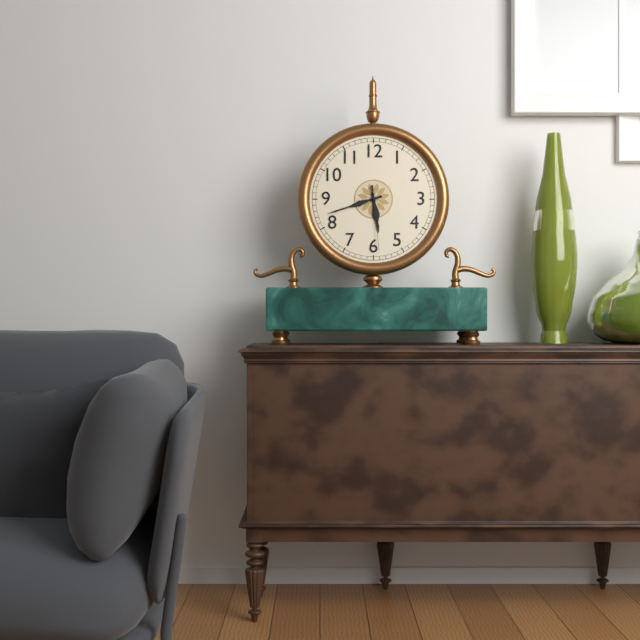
5:42:29
